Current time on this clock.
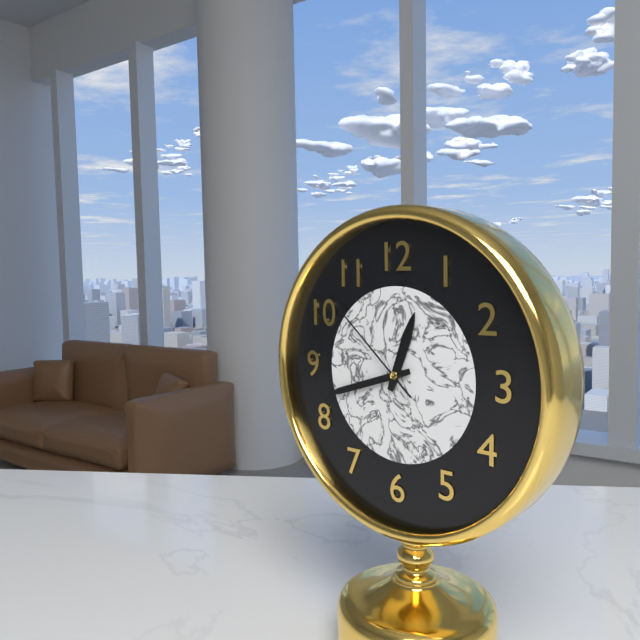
12:42:52
